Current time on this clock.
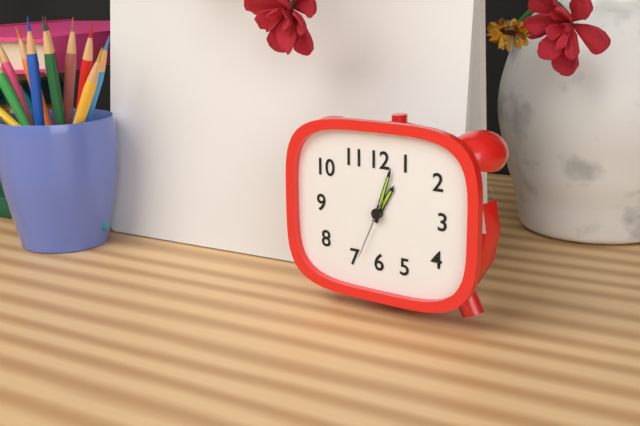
1:03:34
